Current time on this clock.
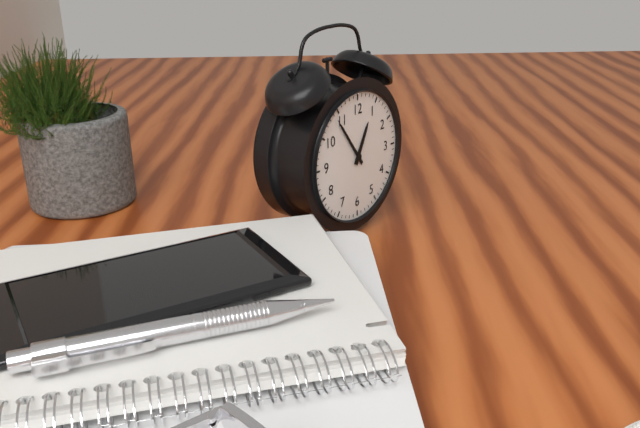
12:54
